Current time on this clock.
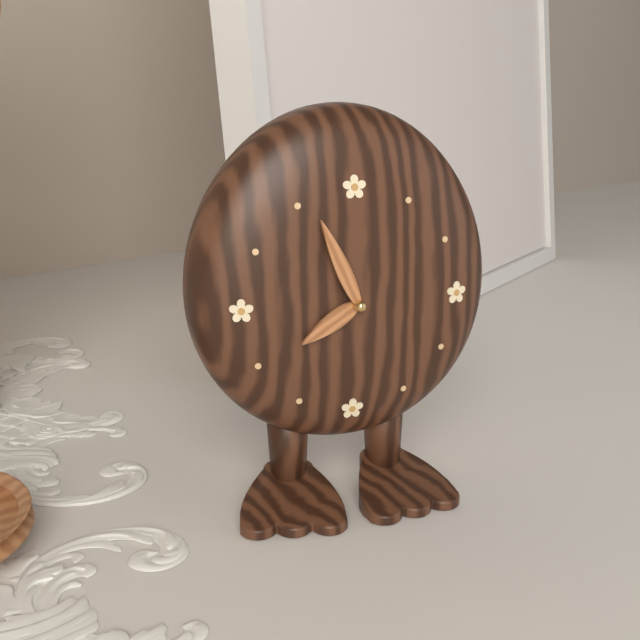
7:56
